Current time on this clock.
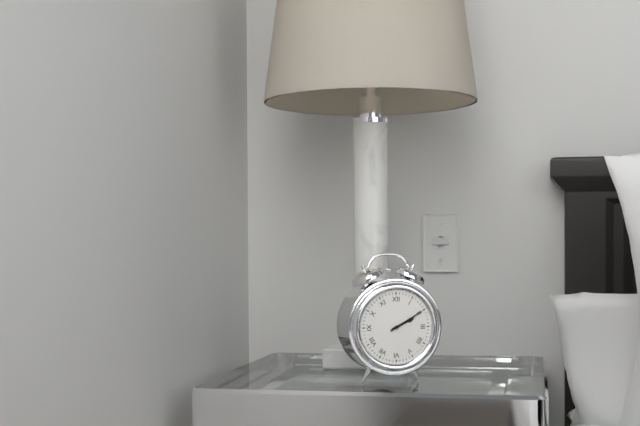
2:10
